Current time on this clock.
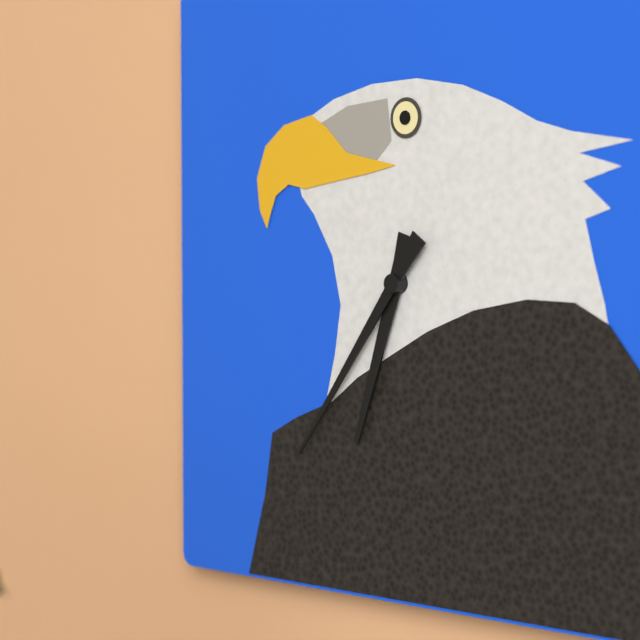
6:36
